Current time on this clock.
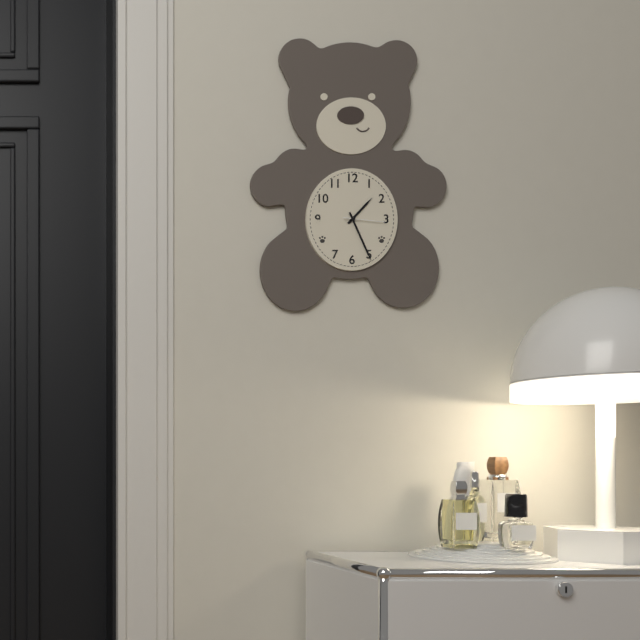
1:26
